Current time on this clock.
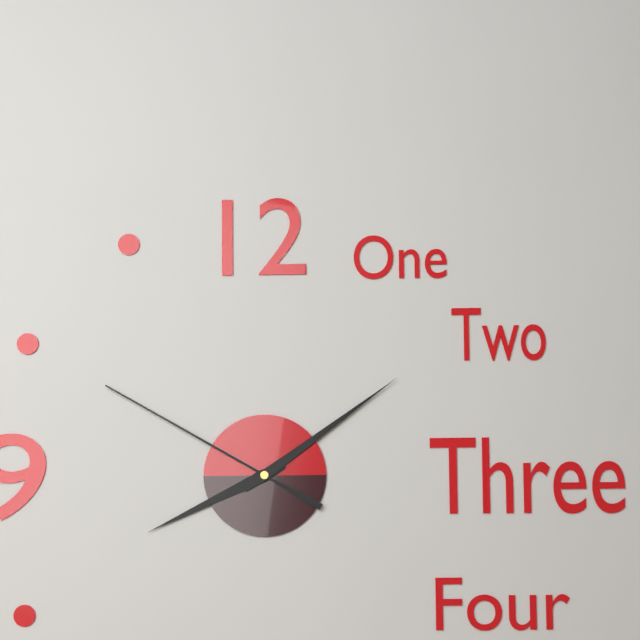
8:09:50
